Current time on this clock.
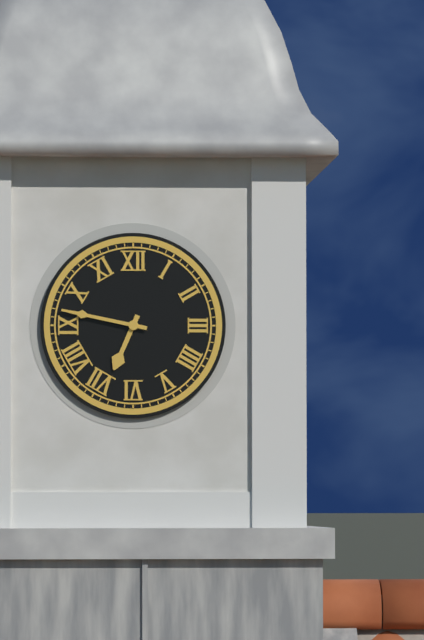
6:47
